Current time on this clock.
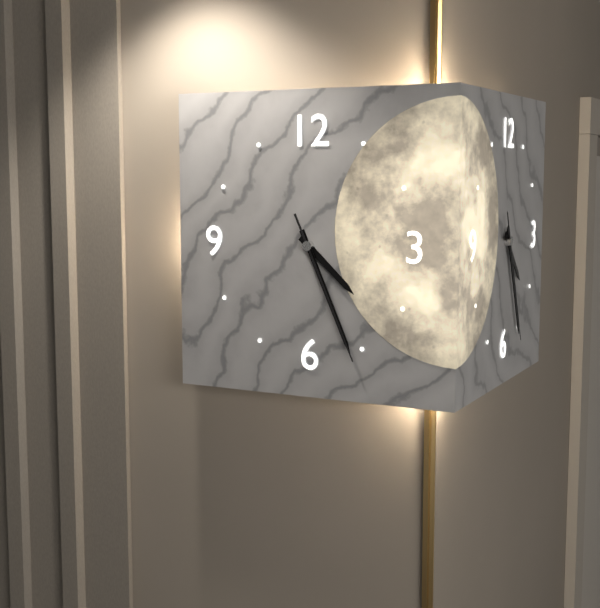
4:26:26
